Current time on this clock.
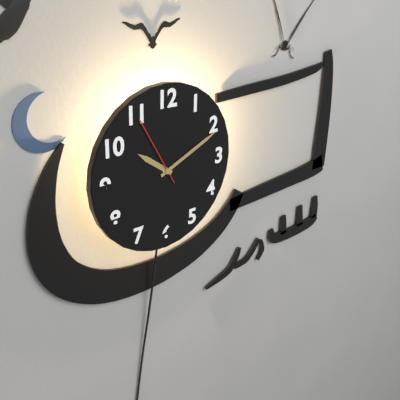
10:11:55
